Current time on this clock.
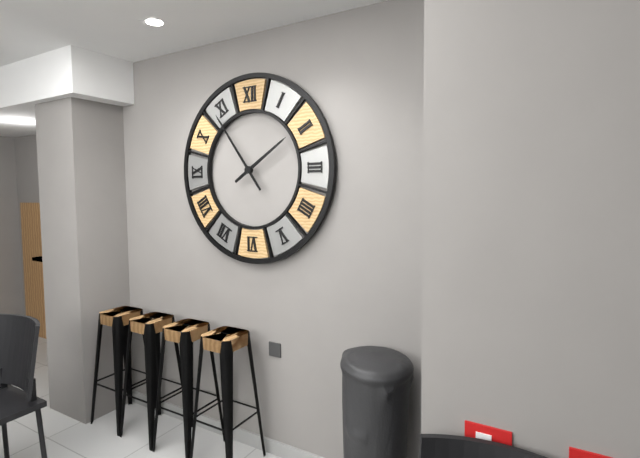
1:54
